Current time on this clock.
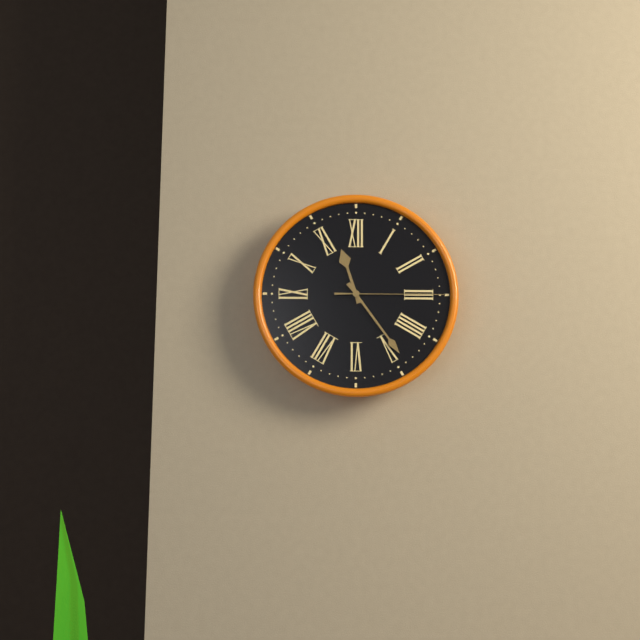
11:24:15
